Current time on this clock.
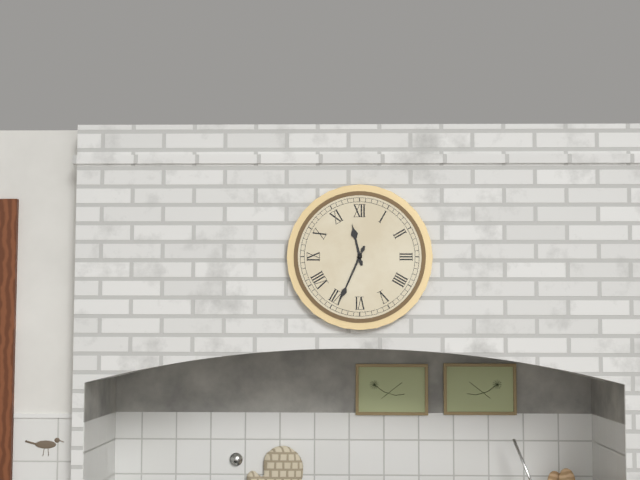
11:34
